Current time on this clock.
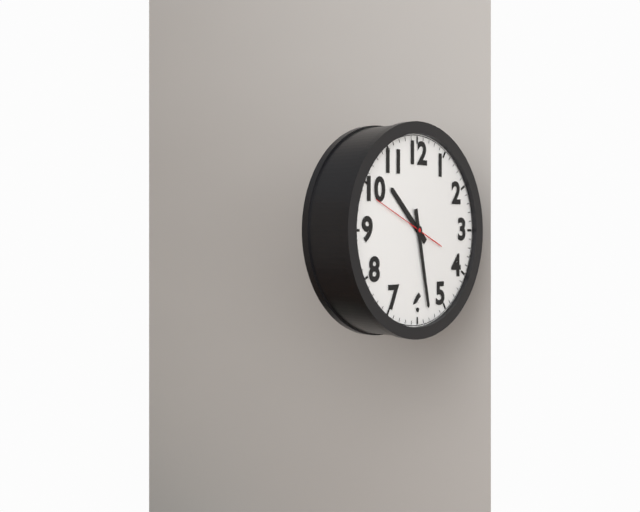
10:28
